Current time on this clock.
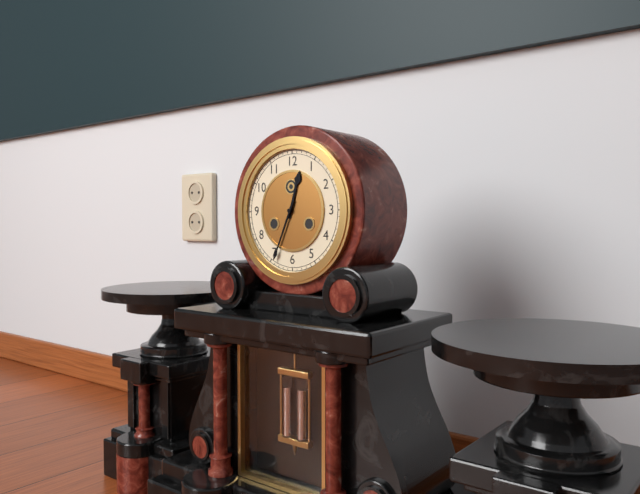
12:34
